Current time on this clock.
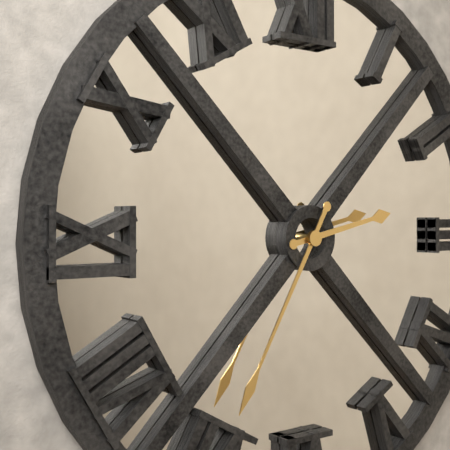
2:35
